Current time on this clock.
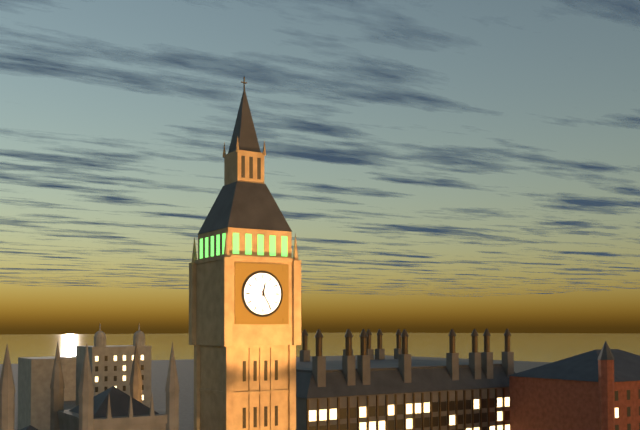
12:25
